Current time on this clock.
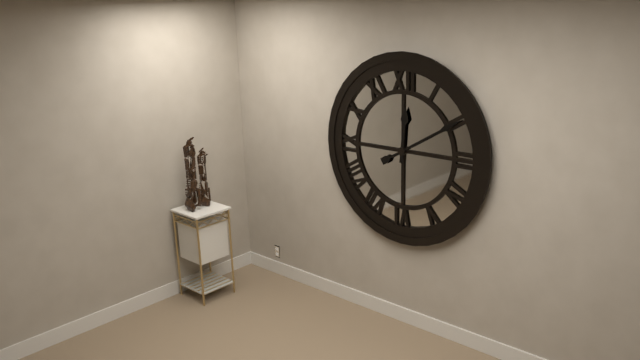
12:10
